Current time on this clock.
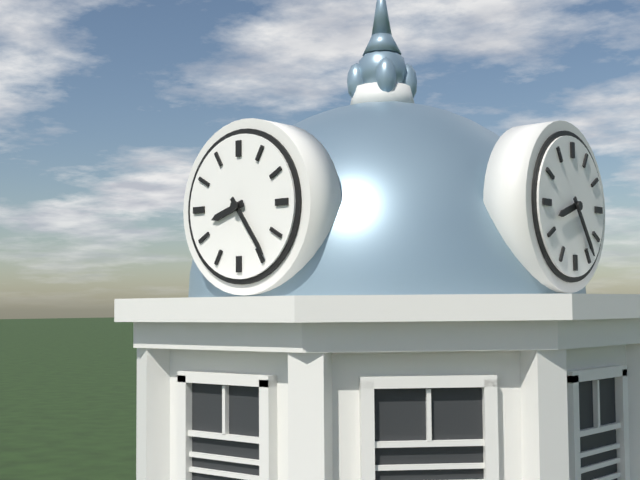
8:24
